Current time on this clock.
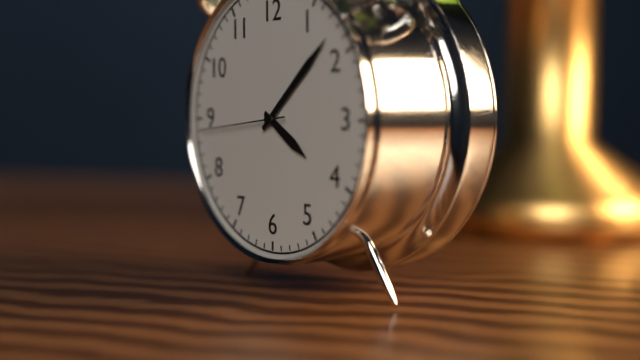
4:08:44
